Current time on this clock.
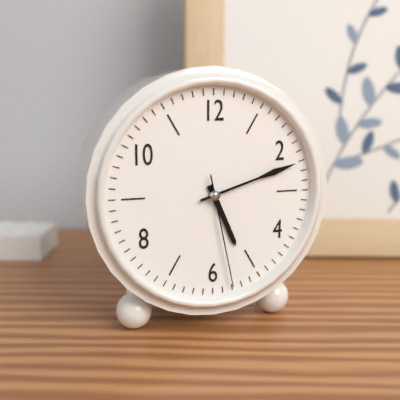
5:12:28
